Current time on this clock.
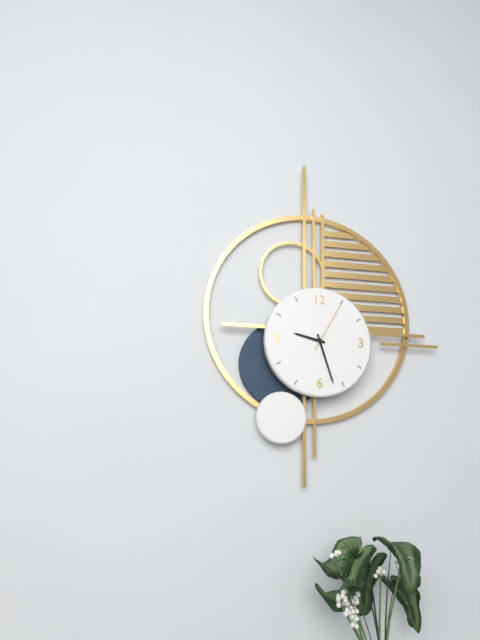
9:27:05
